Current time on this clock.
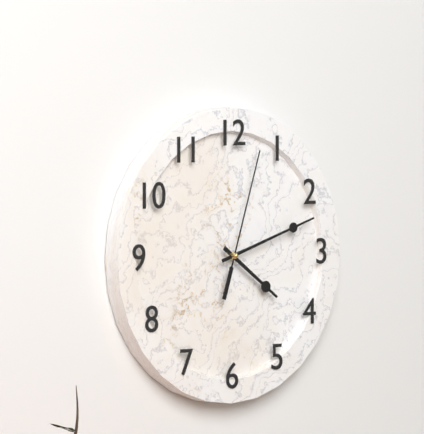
4:12:03
